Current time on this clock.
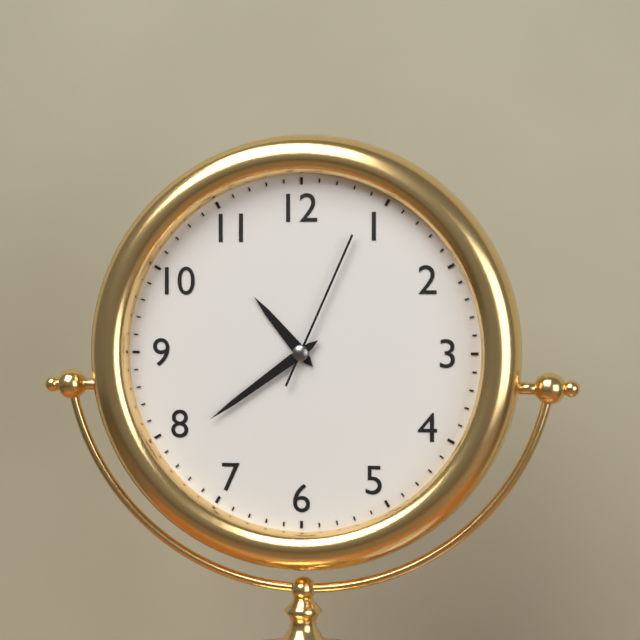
10:39:04
